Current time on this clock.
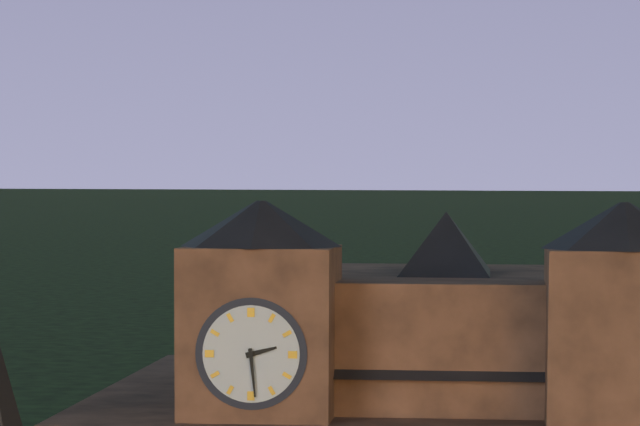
2:29
